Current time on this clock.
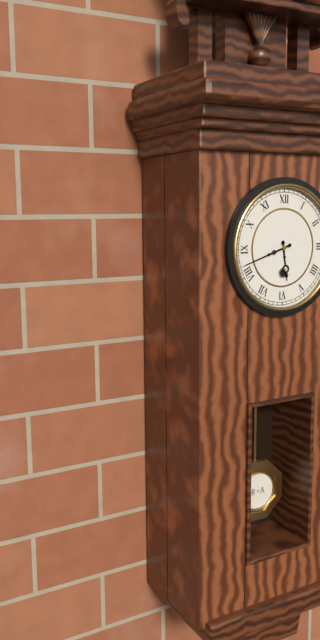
5:42
